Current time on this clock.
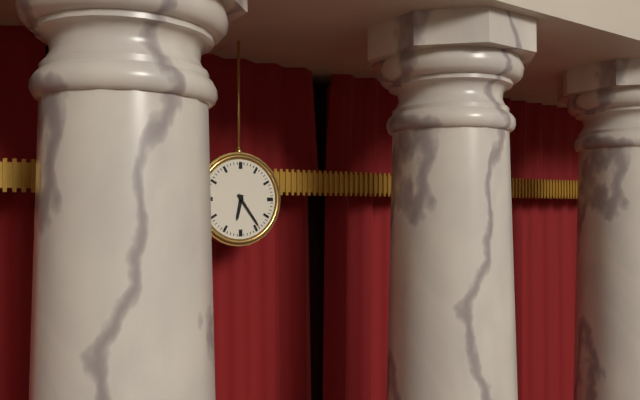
6:24
